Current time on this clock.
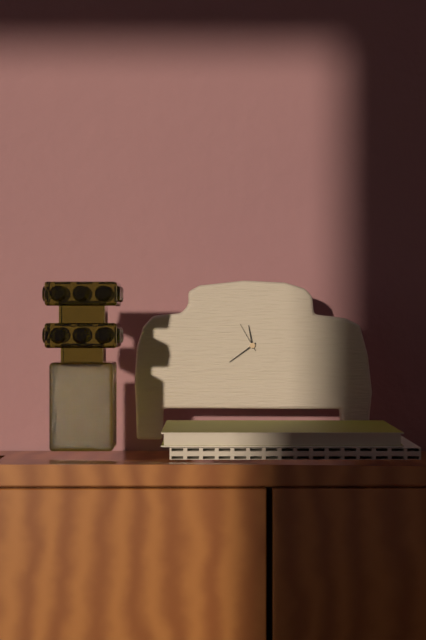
11:39
